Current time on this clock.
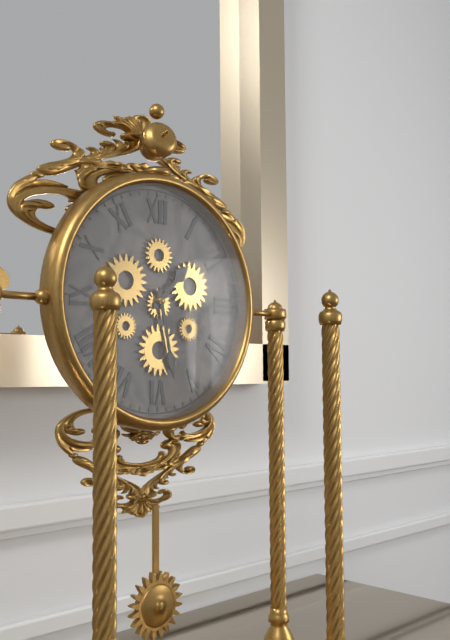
1:28
